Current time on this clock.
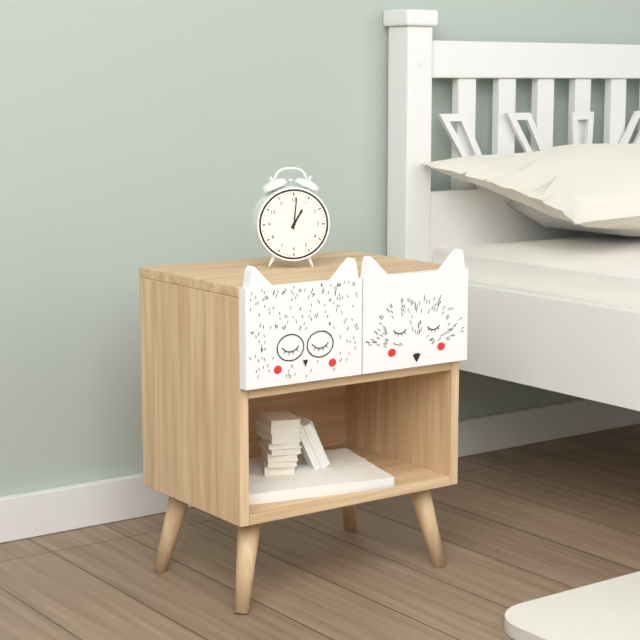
1:01
